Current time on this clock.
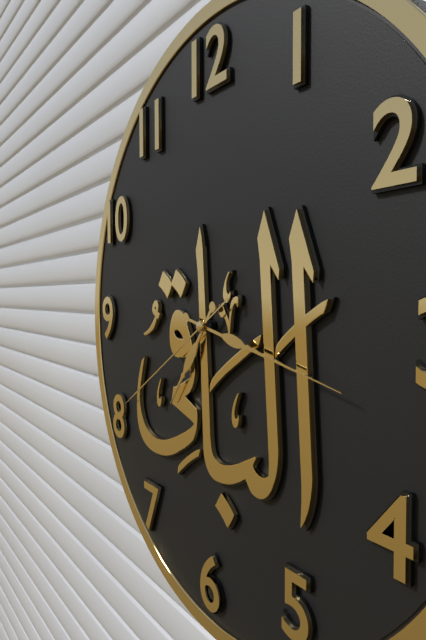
7:17:40
